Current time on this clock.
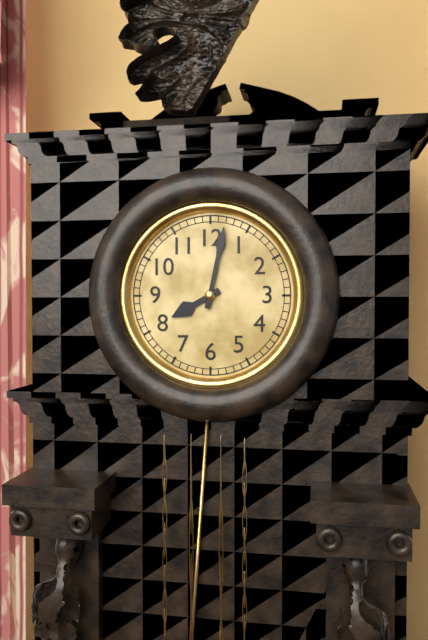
8:02
